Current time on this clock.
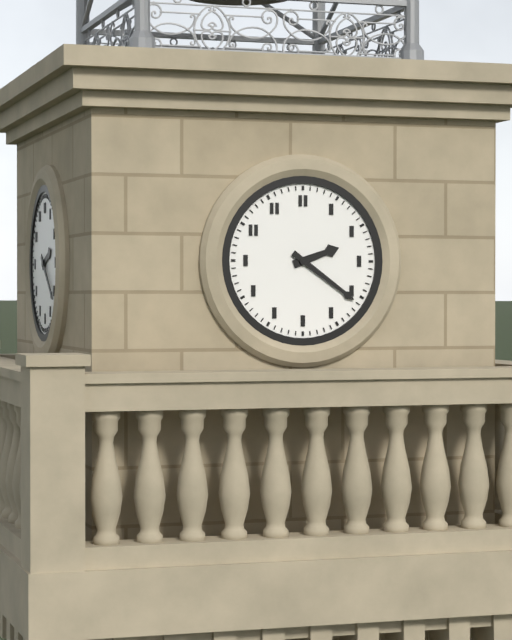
2:21
